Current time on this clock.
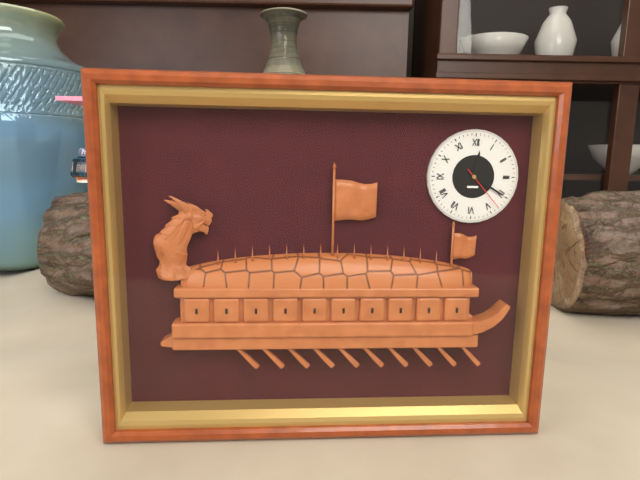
12:20
